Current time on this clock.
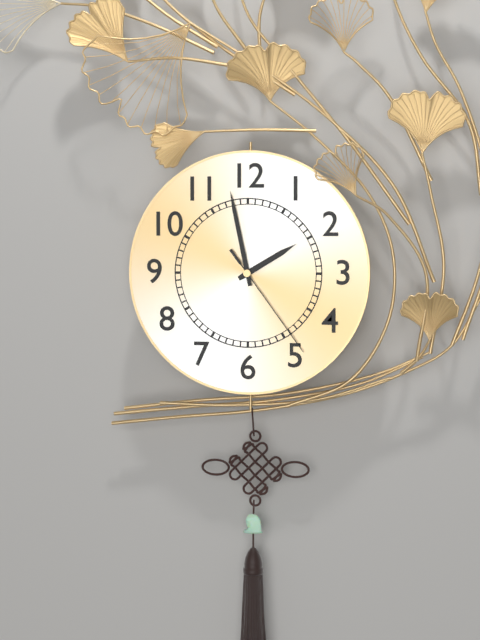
1:58:24
